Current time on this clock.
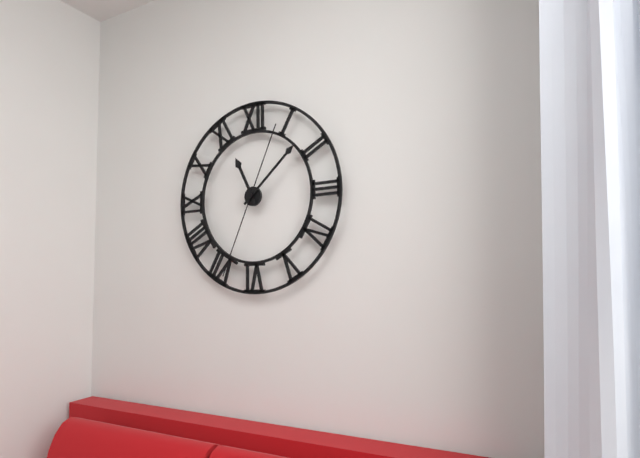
11:08:34
